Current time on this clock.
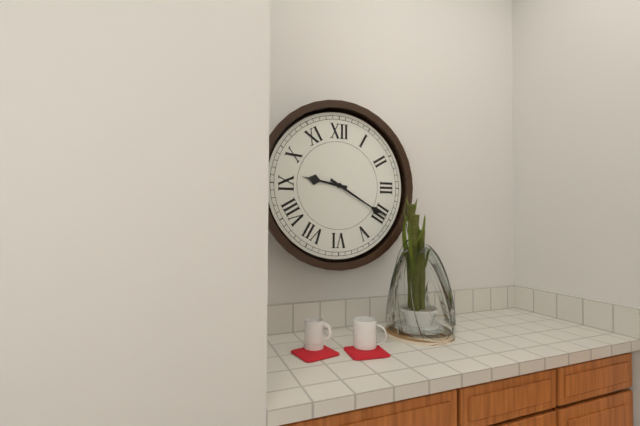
9:20
